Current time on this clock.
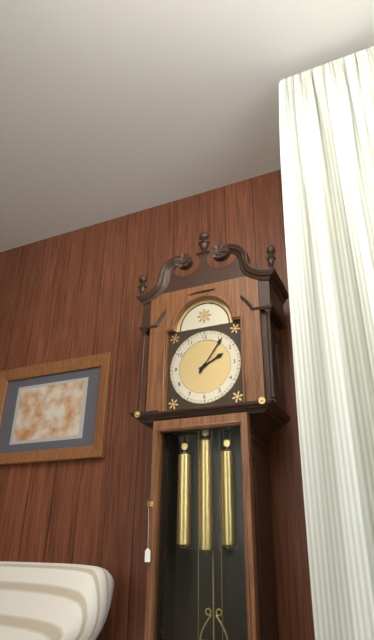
2:06
